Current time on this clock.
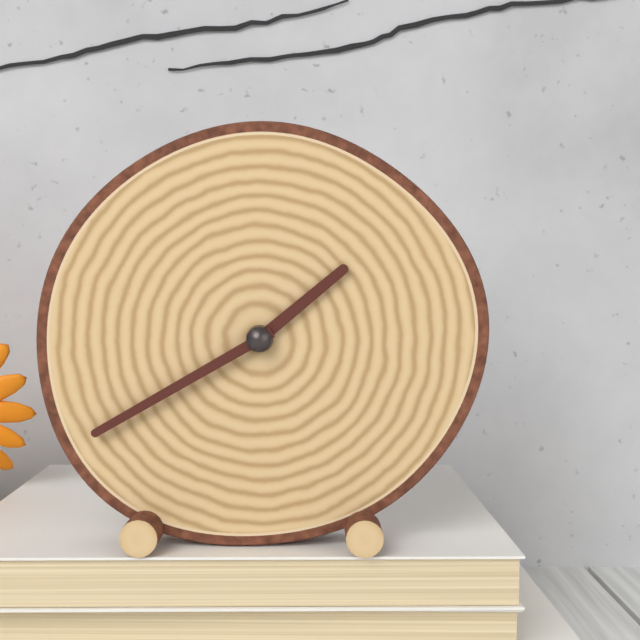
1:40
